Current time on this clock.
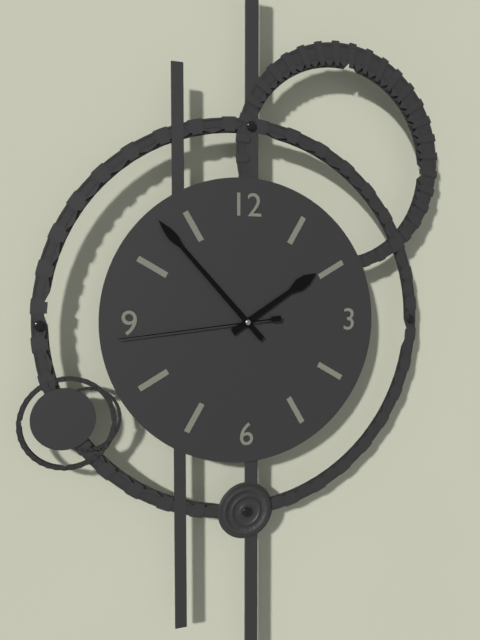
1:53:44
